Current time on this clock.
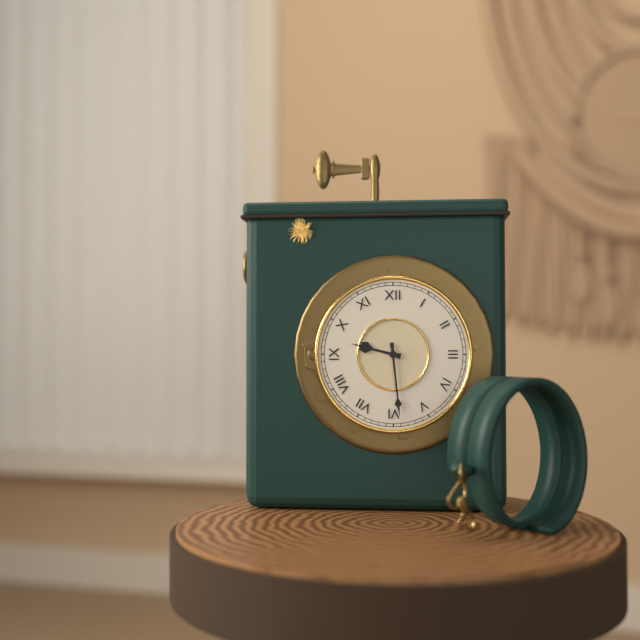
9:29
